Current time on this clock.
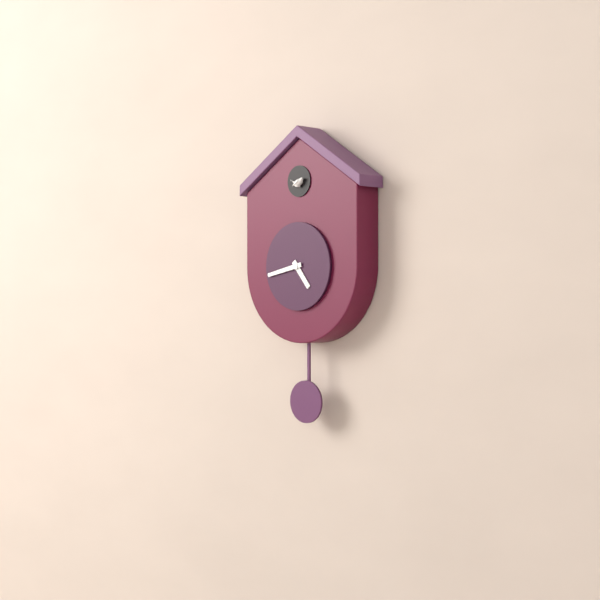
4:43
